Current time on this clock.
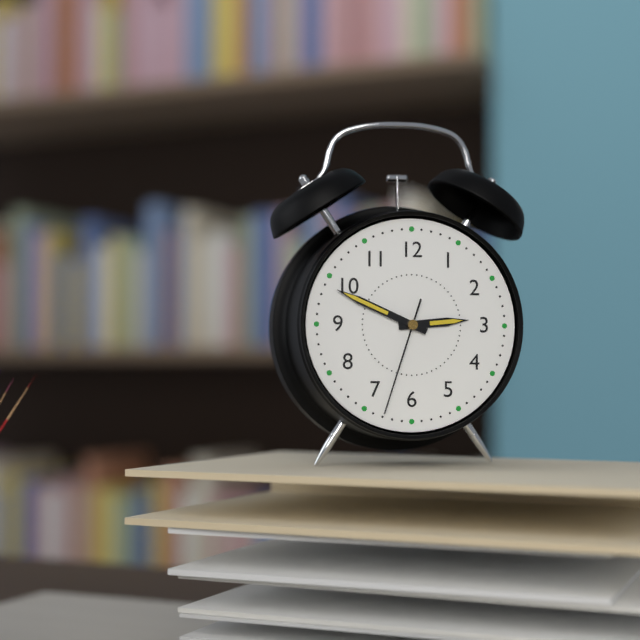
2:49:33
